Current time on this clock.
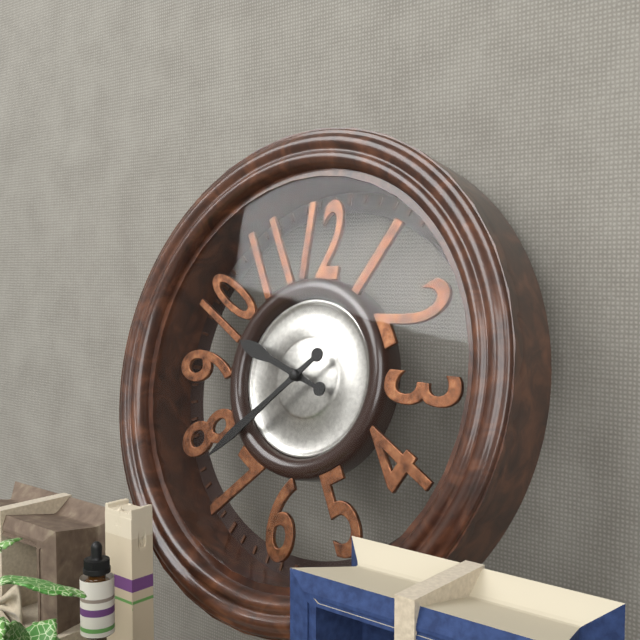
9:38
